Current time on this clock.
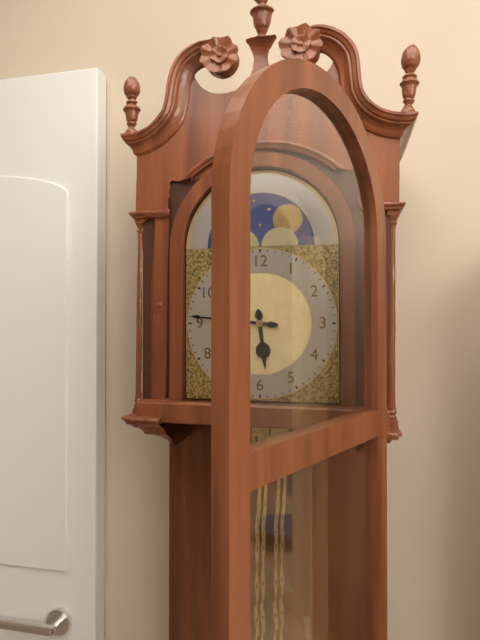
5:46
